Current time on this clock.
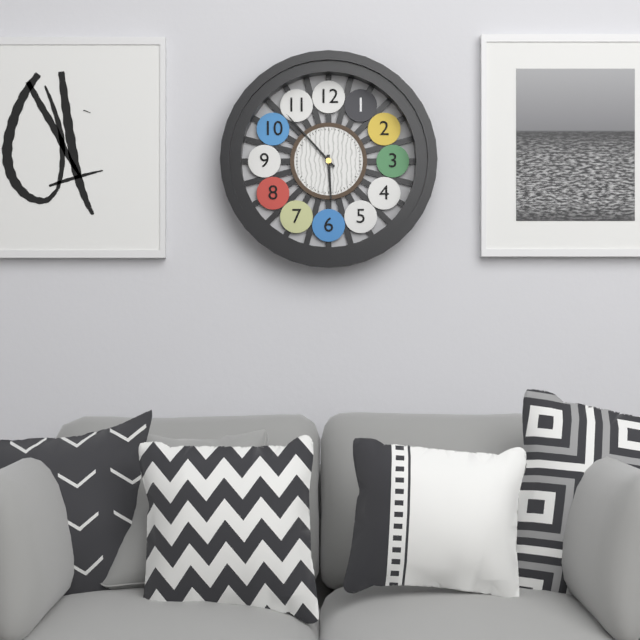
5:53
